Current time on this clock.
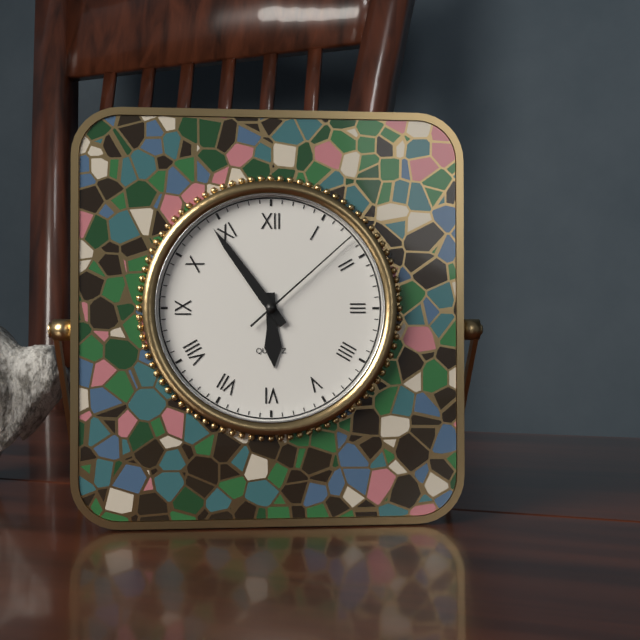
5:54:08
